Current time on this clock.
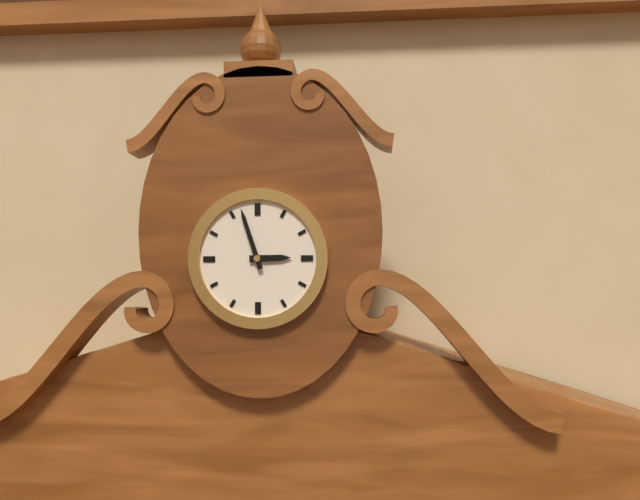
2:57
